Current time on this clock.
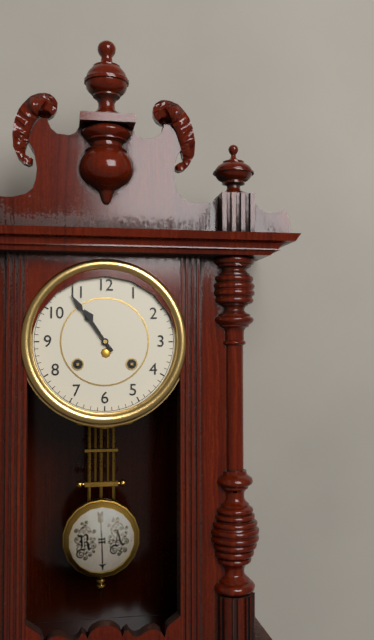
10:54
